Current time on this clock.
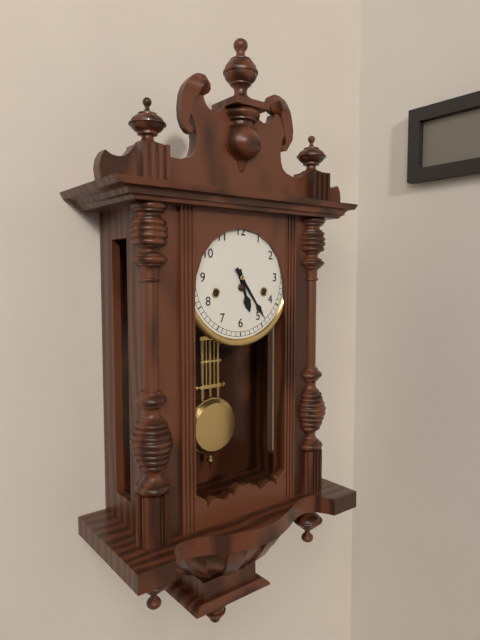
5:24
